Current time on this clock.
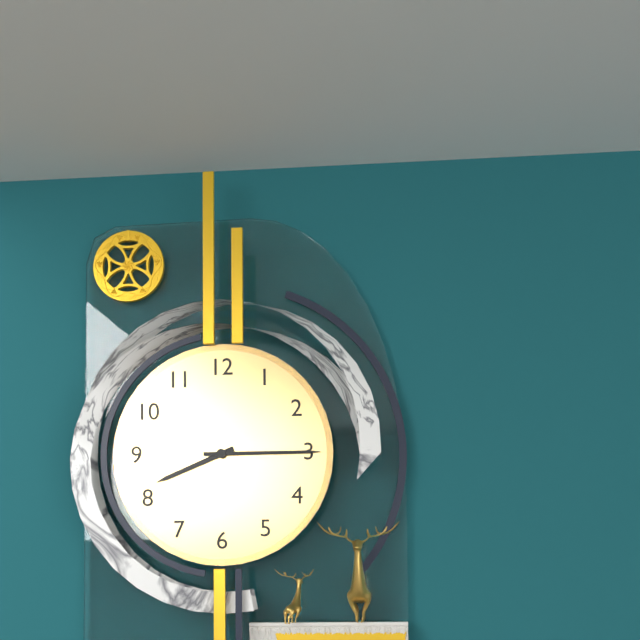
8:15
